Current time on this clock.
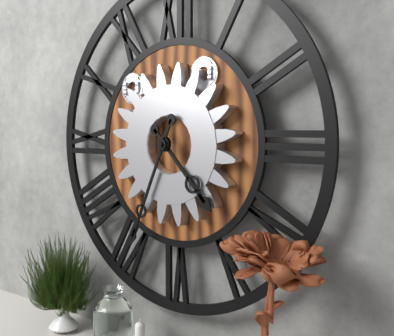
4:34
